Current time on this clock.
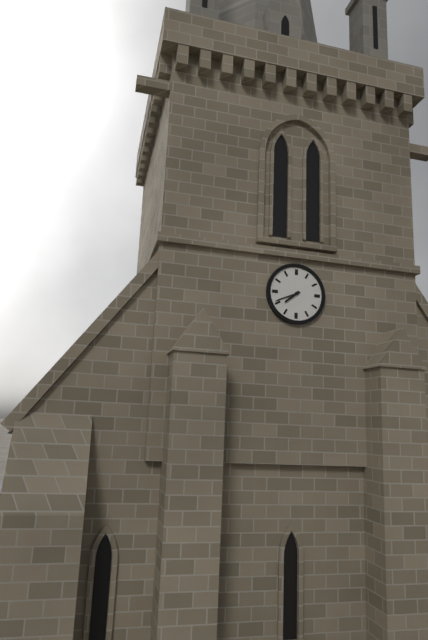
7:41
